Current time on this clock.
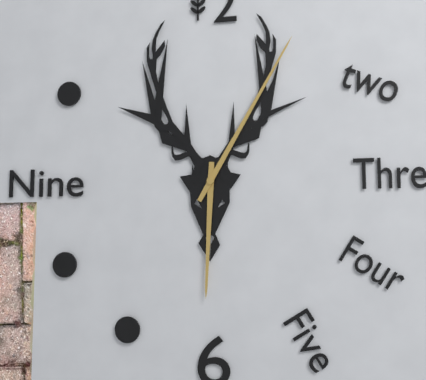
6:05
